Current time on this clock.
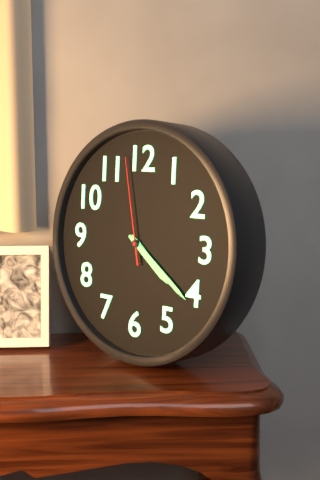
4:21:58
